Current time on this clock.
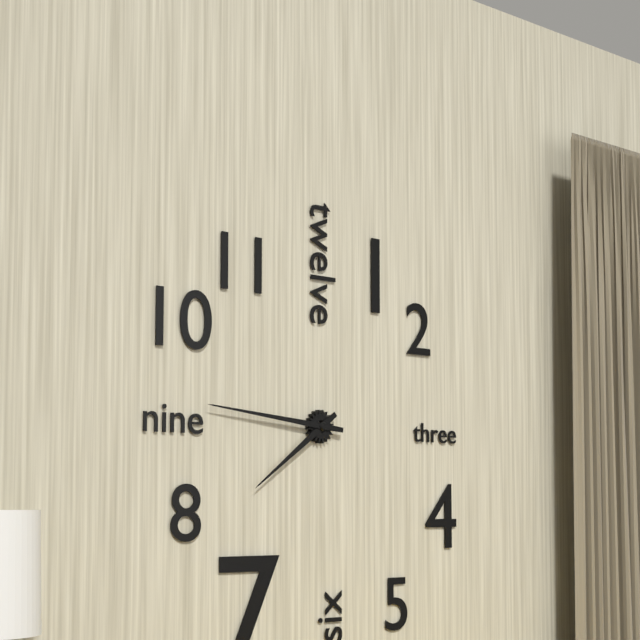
7:46
